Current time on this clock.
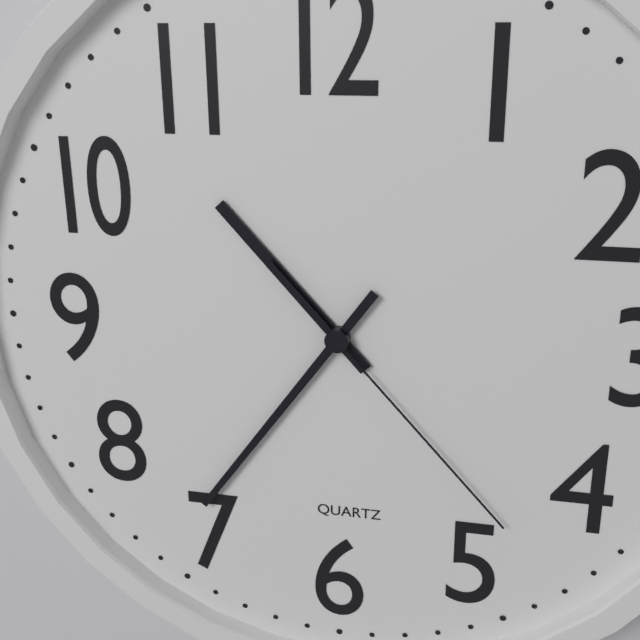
10:36:23
